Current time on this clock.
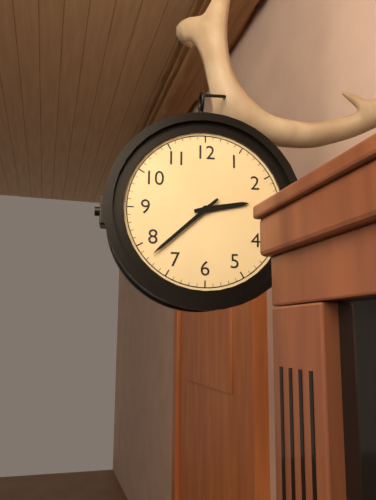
2:38
